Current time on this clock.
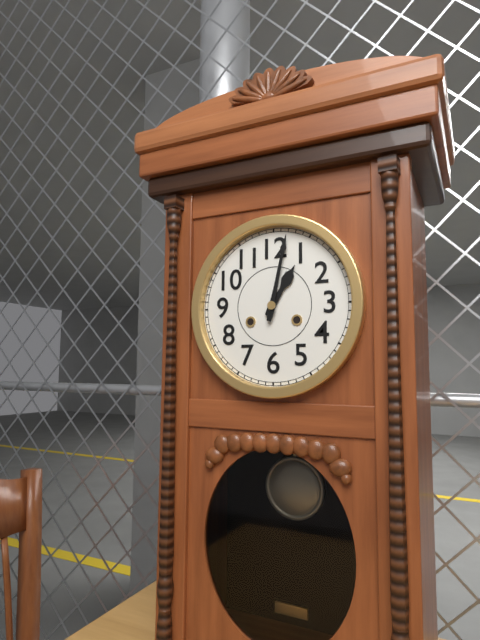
1:02
